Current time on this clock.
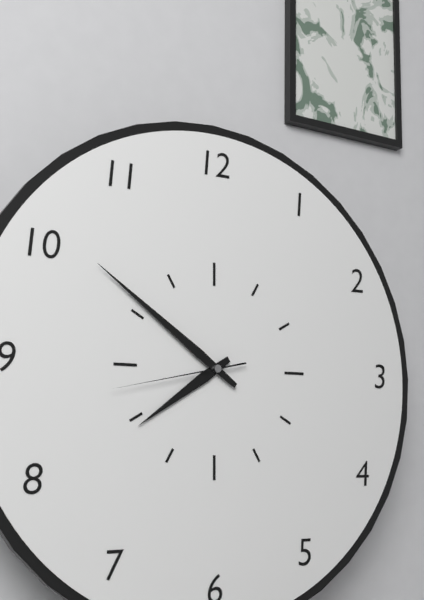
7:51:43
